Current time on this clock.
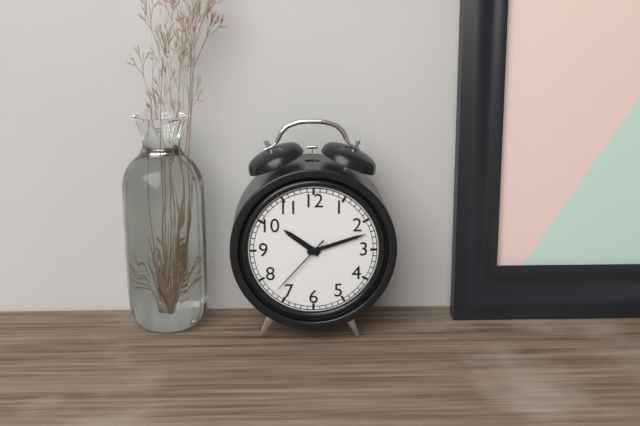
10:12:37
